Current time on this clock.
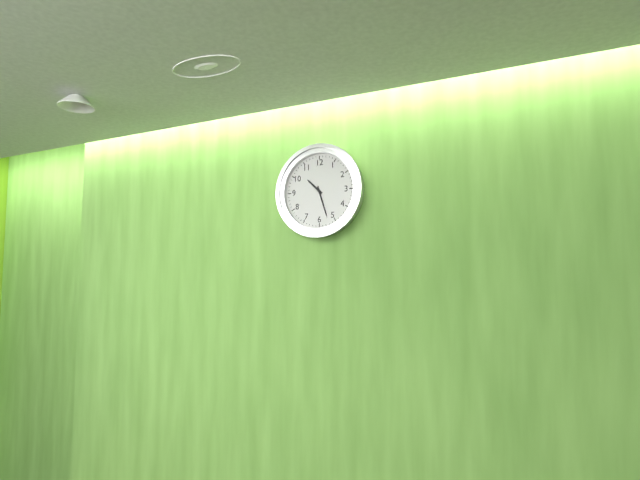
10:27
